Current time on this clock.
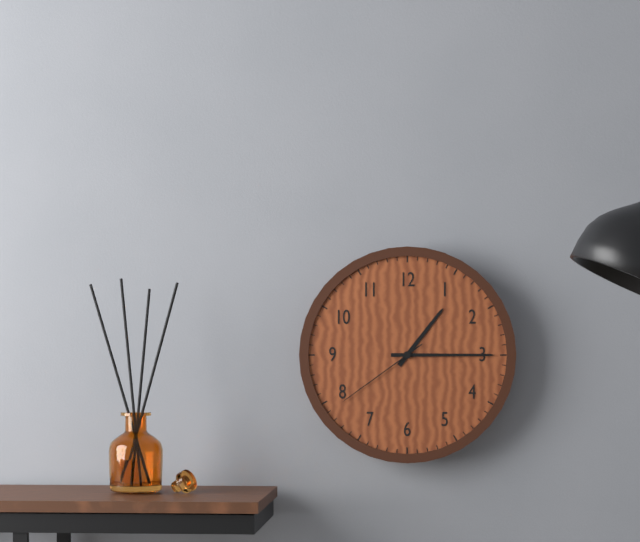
1:15:39
